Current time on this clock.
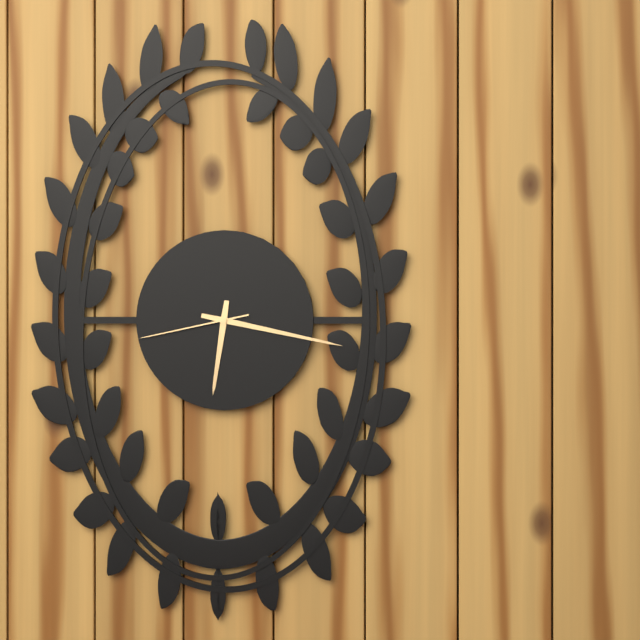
6:17:43
